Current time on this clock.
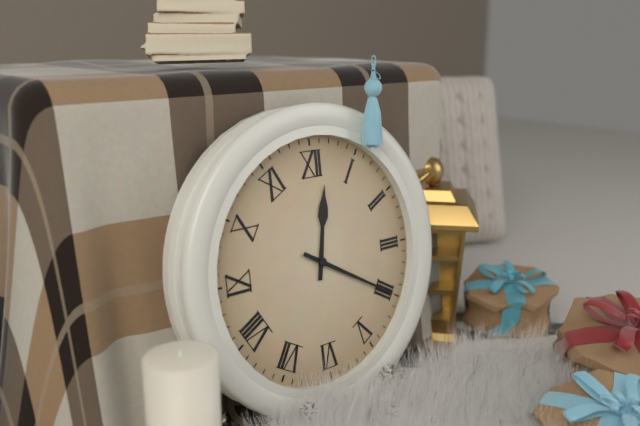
12:20
